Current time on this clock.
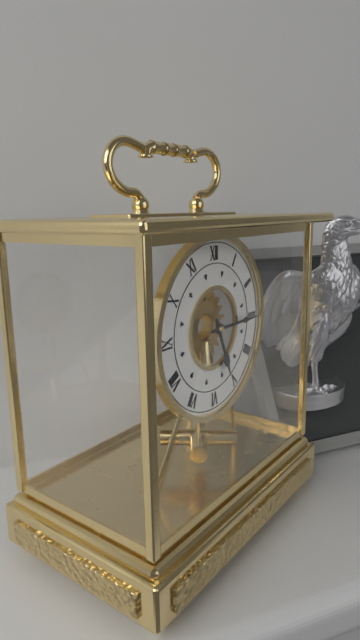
5:15
